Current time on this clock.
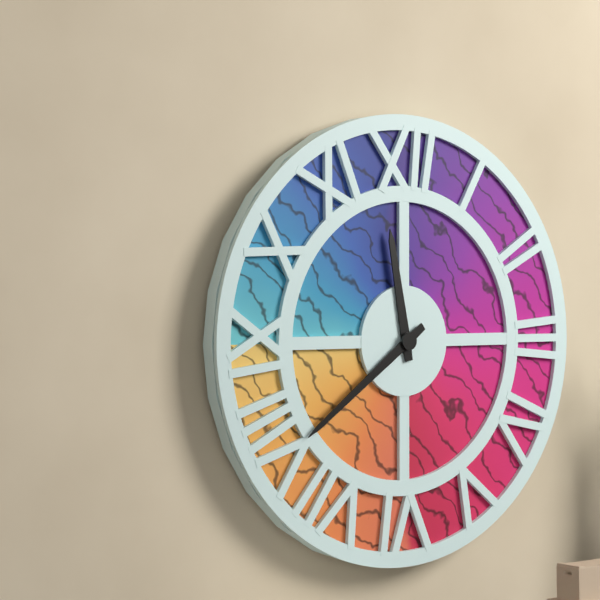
11:39
